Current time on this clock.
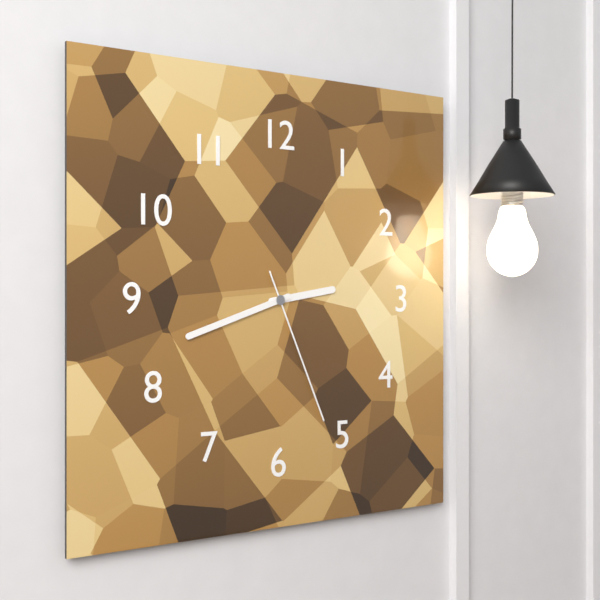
2:42:26
